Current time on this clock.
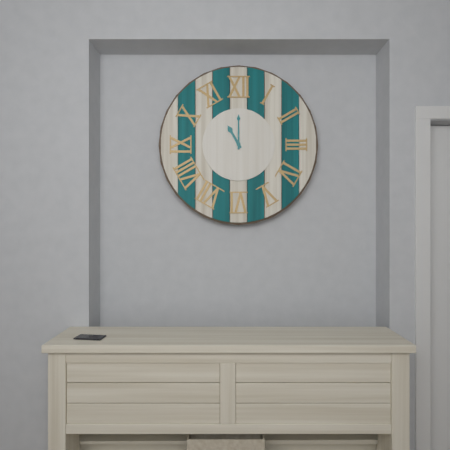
11:00
